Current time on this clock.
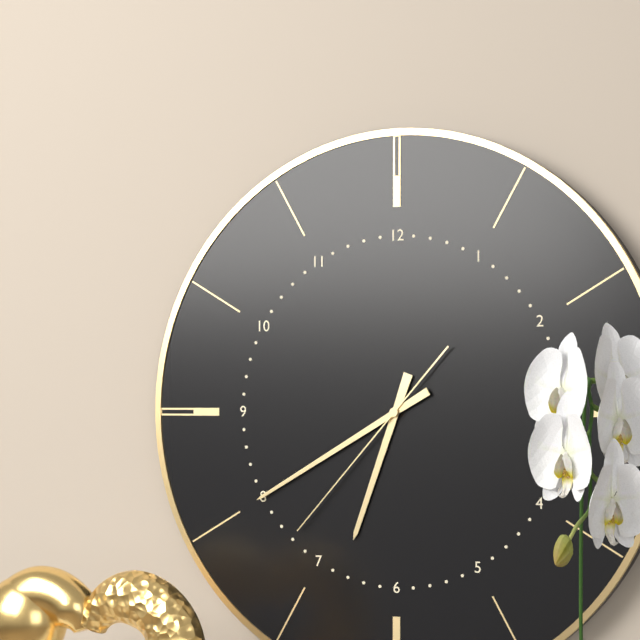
6:40:37
